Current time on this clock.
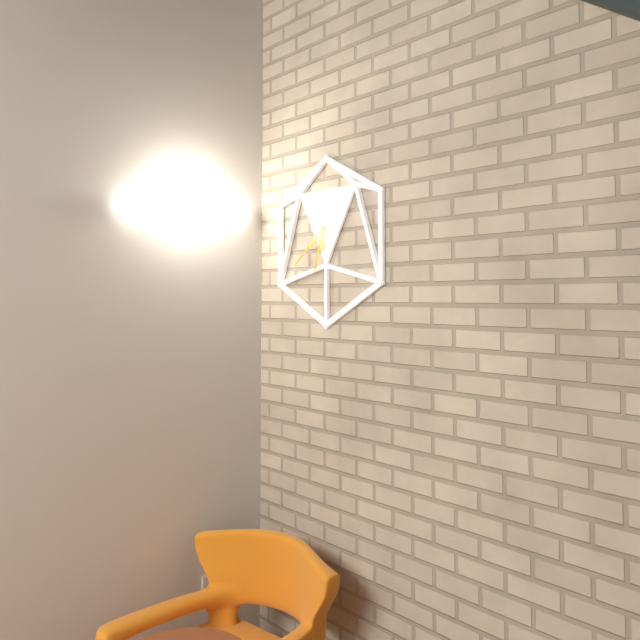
6:39
